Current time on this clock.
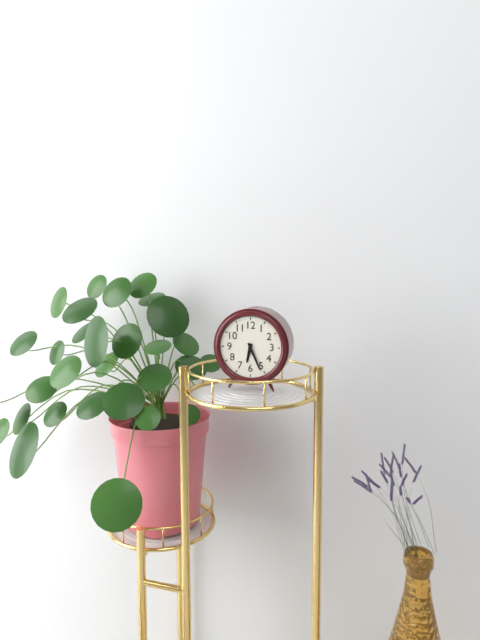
6:26
